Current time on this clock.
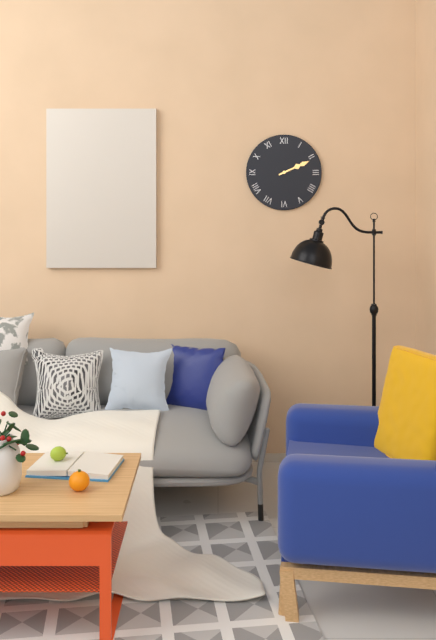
2:11
